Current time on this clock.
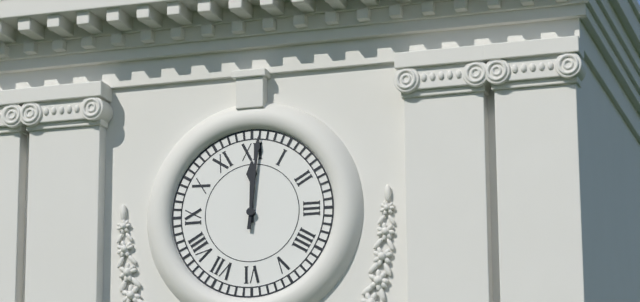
12:01
